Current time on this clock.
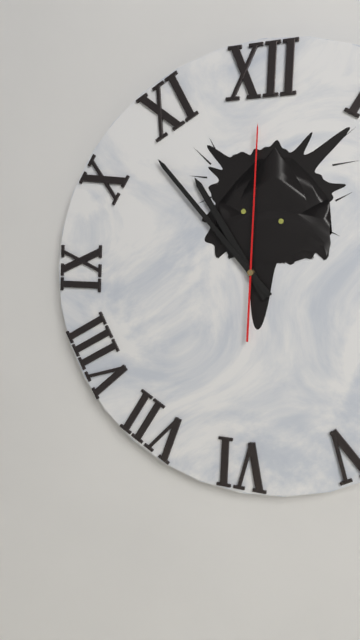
10:53:00
